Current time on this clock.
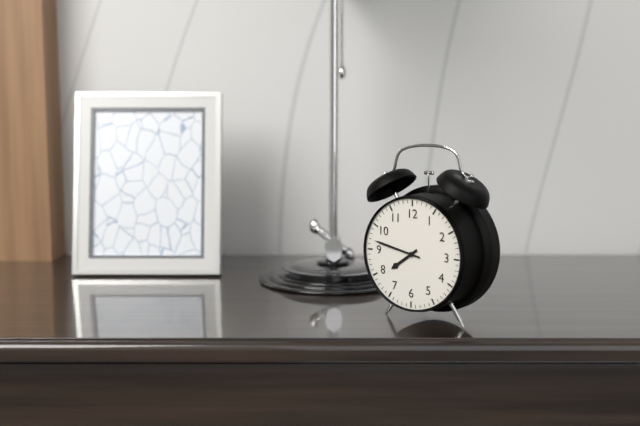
7:47
